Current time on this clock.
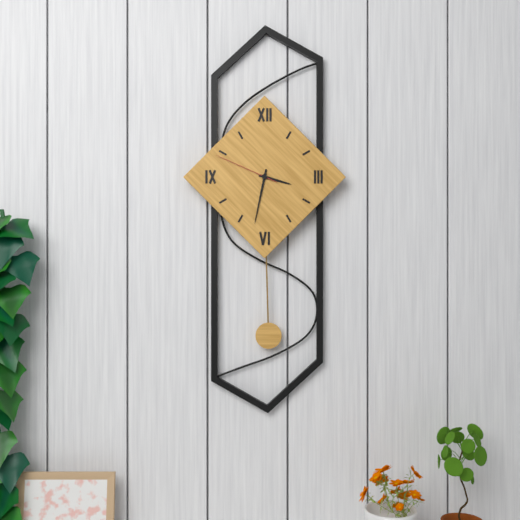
3:32:49
